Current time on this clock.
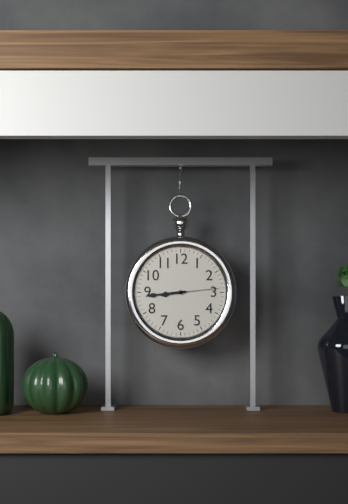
8:44
